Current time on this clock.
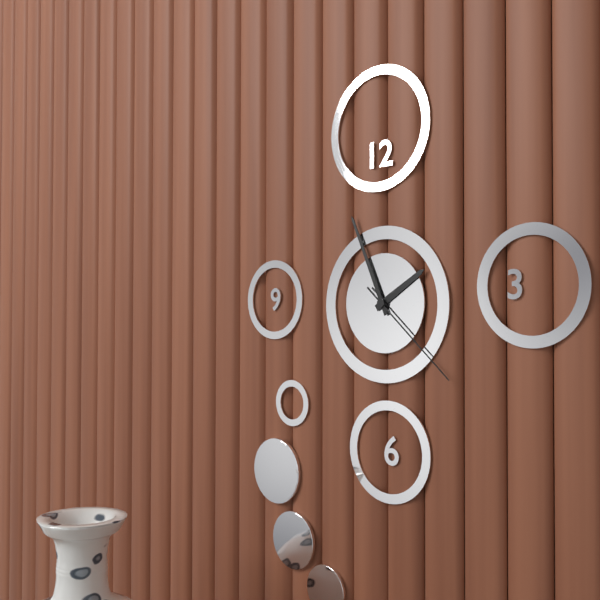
1:56:22
